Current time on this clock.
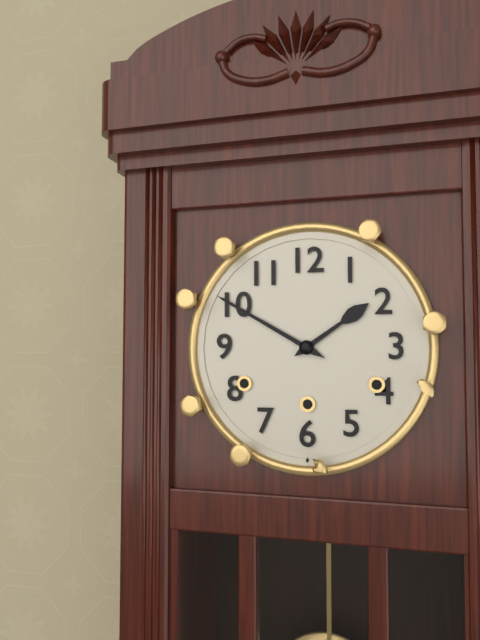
1:50
